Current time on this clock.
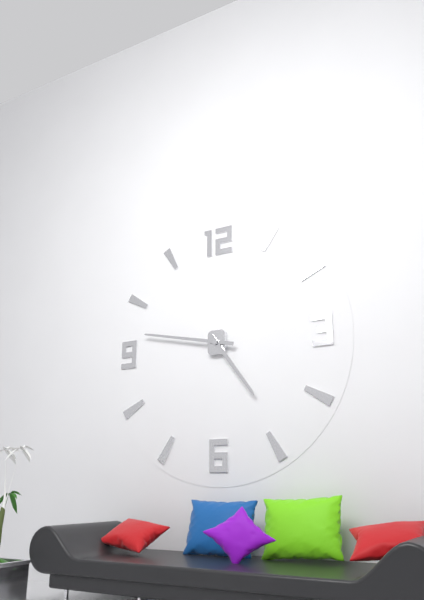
4:47
